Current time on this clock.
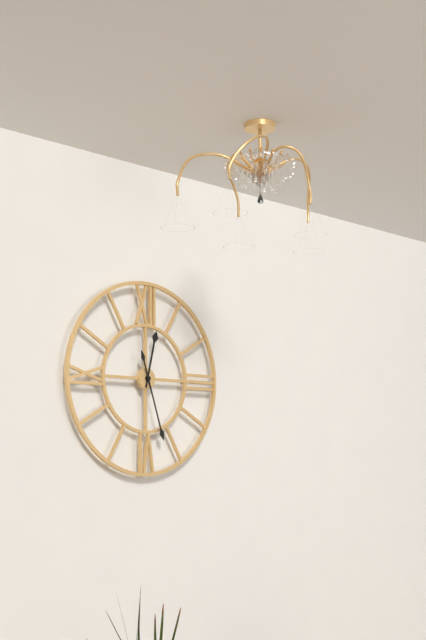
12:27
